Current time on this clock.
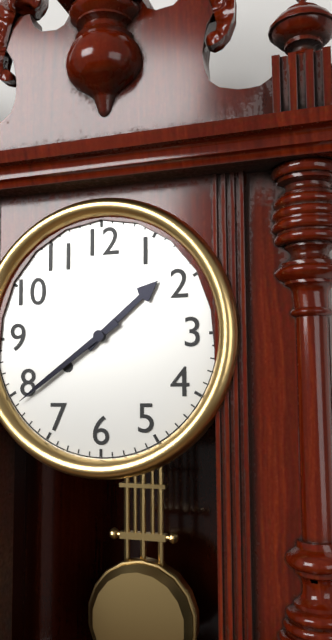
1:39
